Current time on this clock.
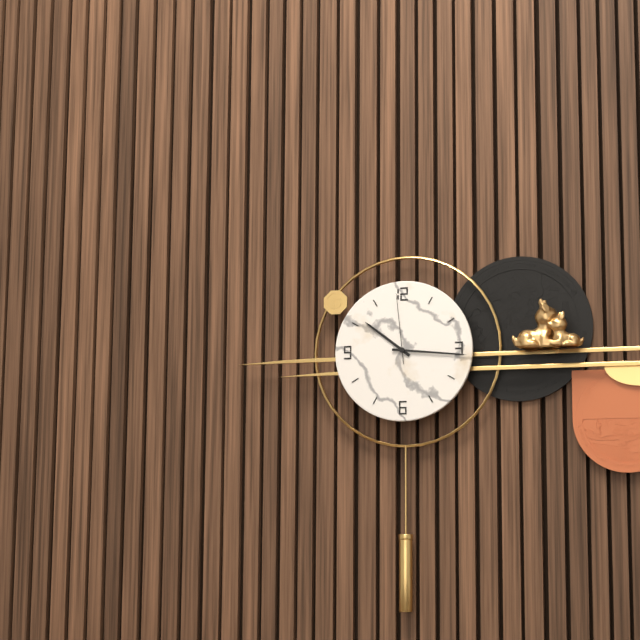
10:16:59
